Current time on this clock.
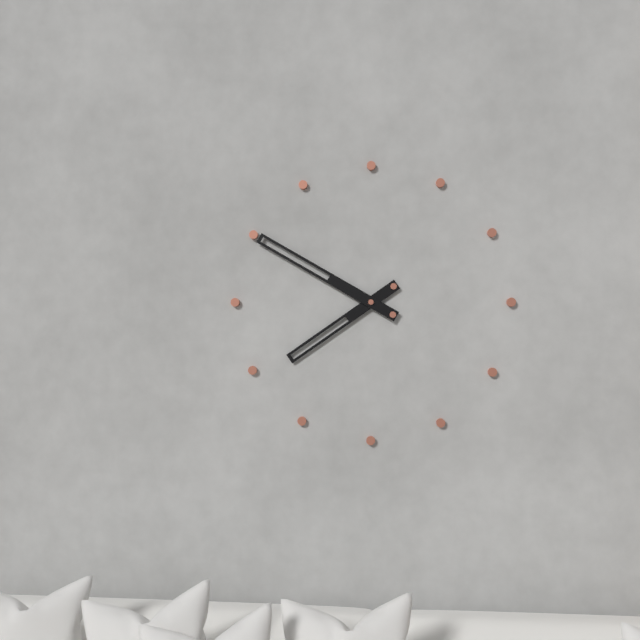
7:50
